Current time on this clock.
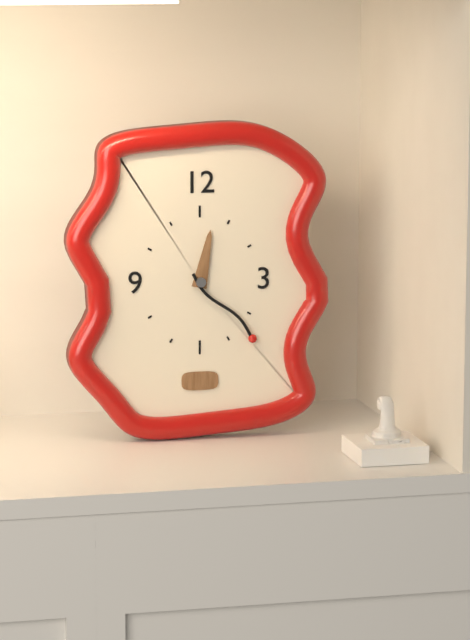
12:23
